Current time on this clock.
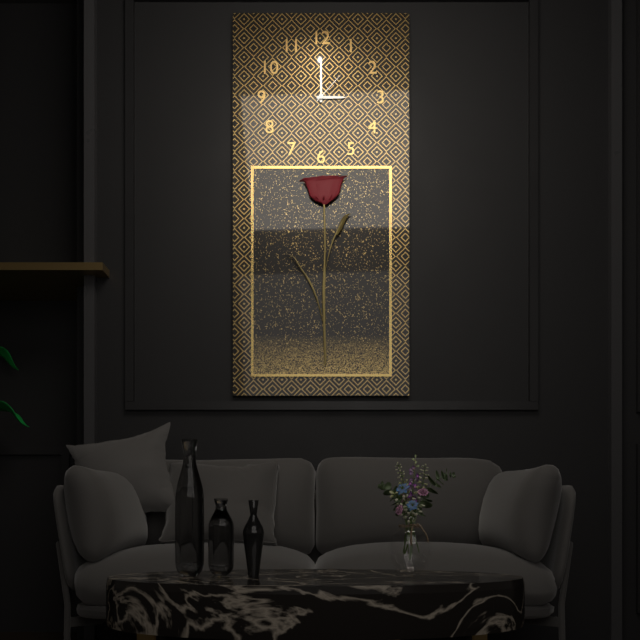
3:00
